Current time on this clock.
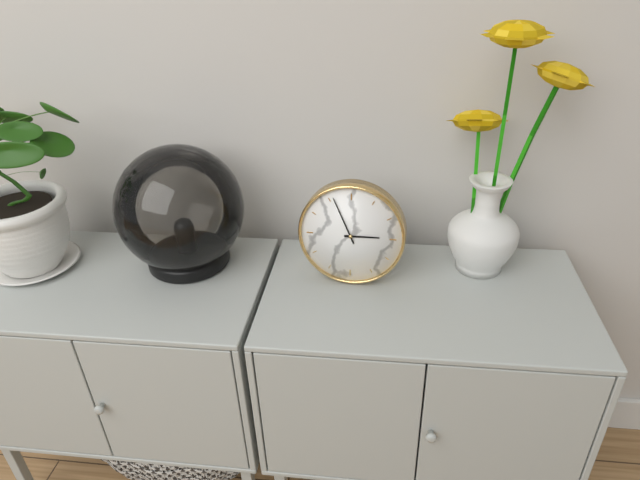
2:56
